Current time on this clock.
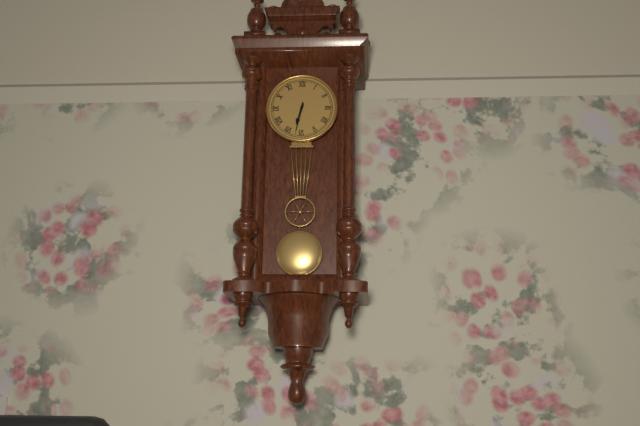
6:32
